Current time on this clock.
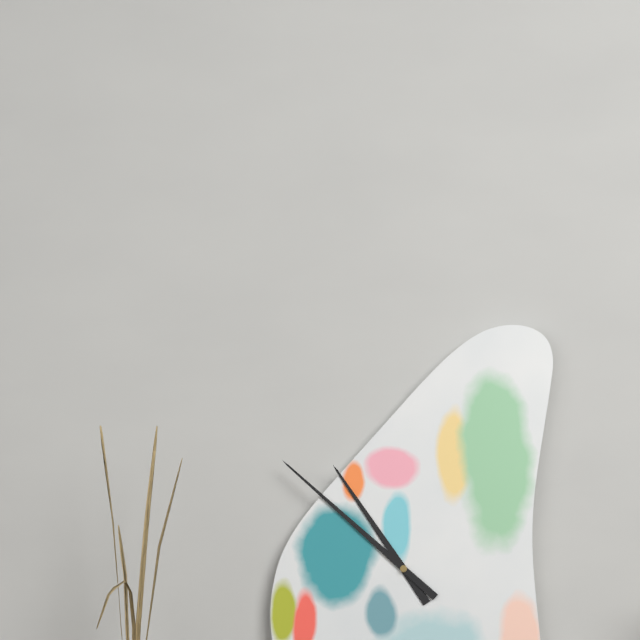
10:52
